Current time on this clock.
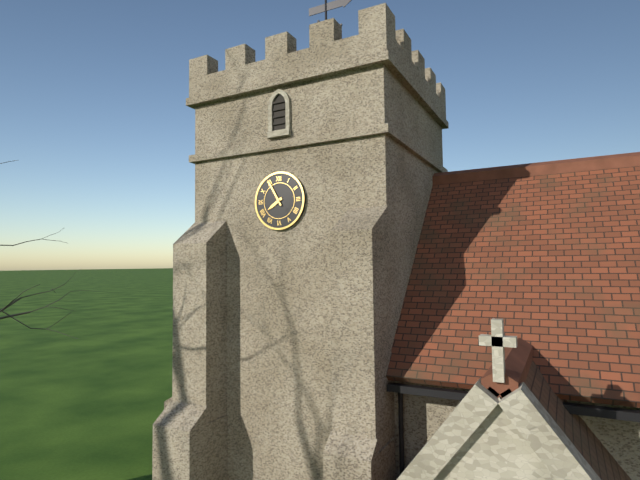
7:55
